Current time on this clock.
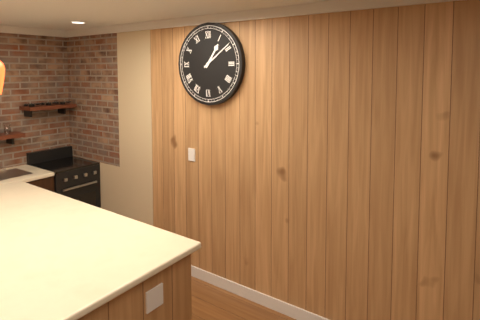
1:09
